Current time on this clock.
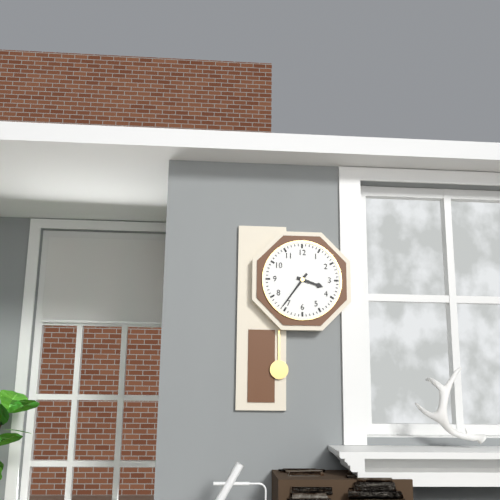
3:36
